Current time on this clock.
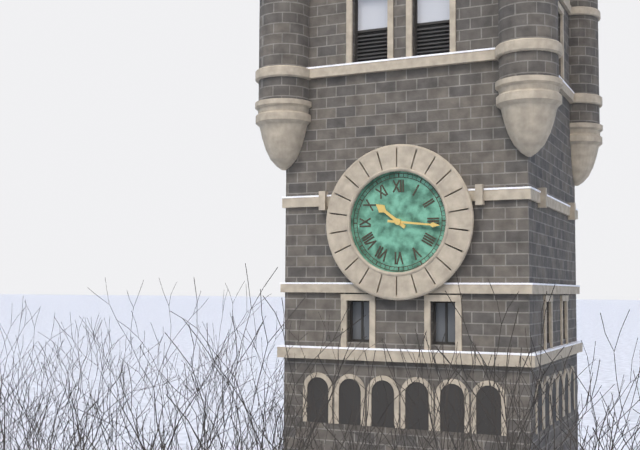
10:16
